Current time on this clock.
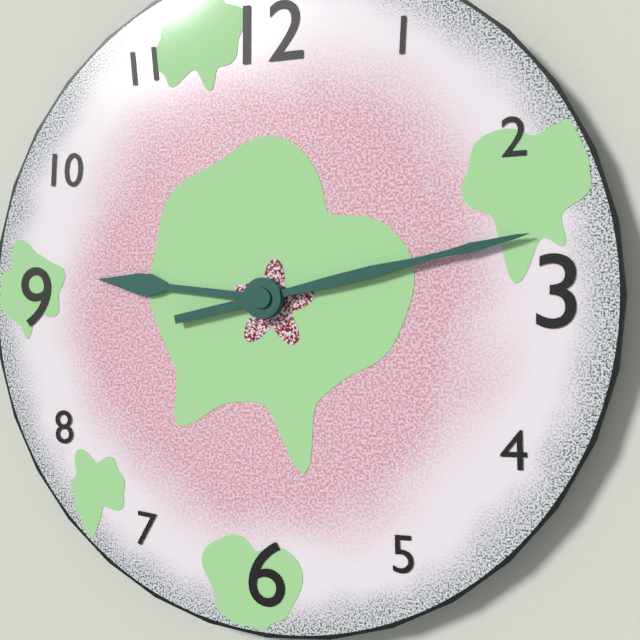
9:13
